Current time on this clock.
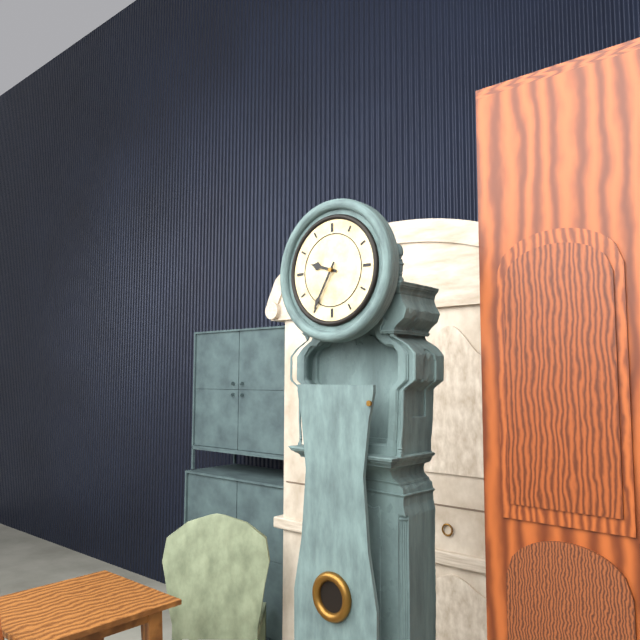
9:35
